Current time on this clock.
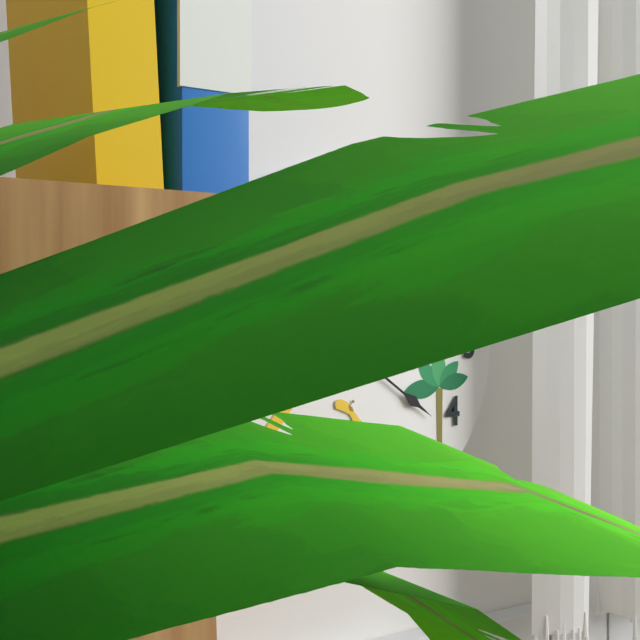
11:21:17
